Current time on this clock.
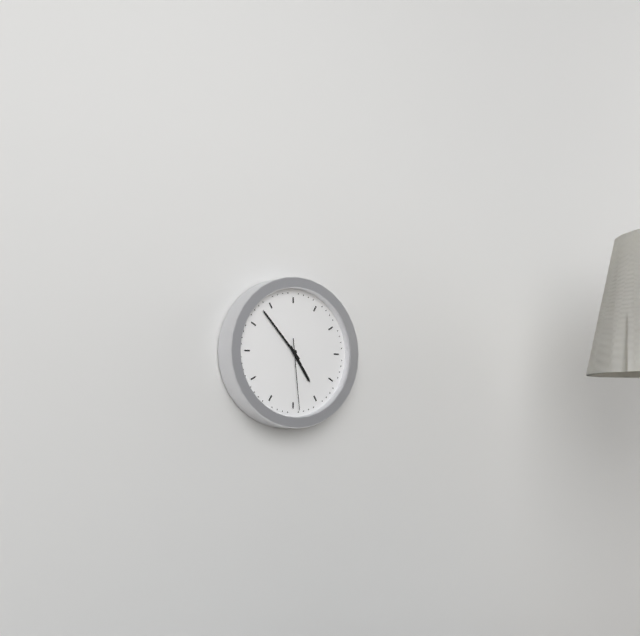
4:53:29
